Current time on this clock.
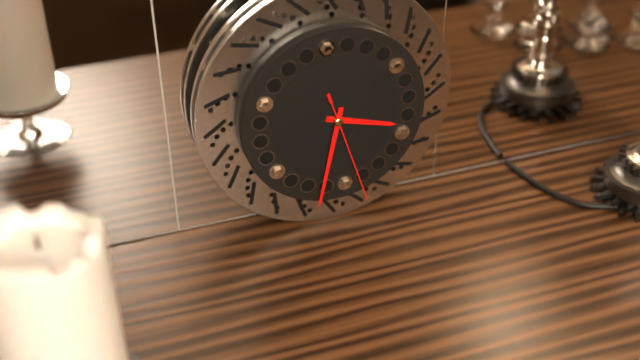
3:32:27
